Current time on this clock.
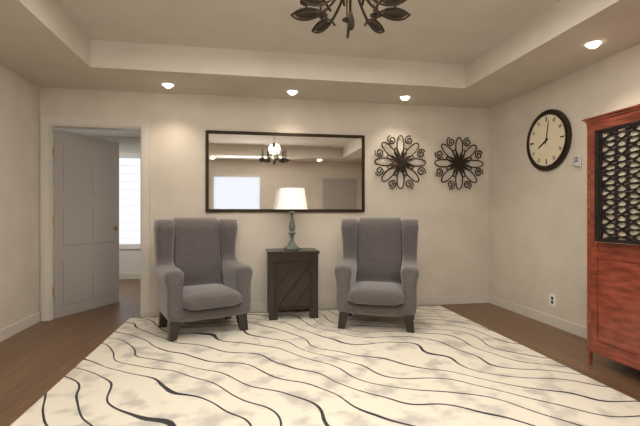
8:02
